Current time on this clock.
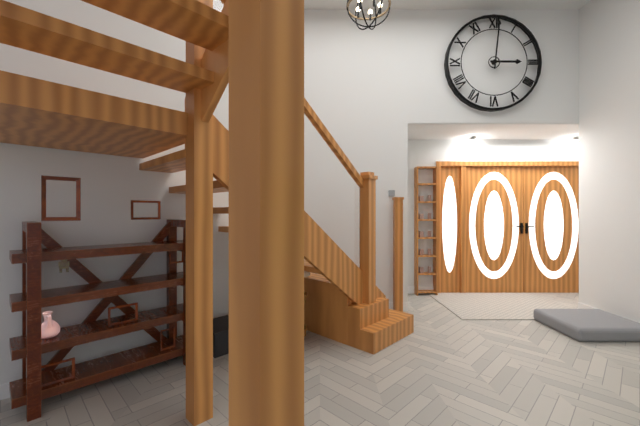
3:01
